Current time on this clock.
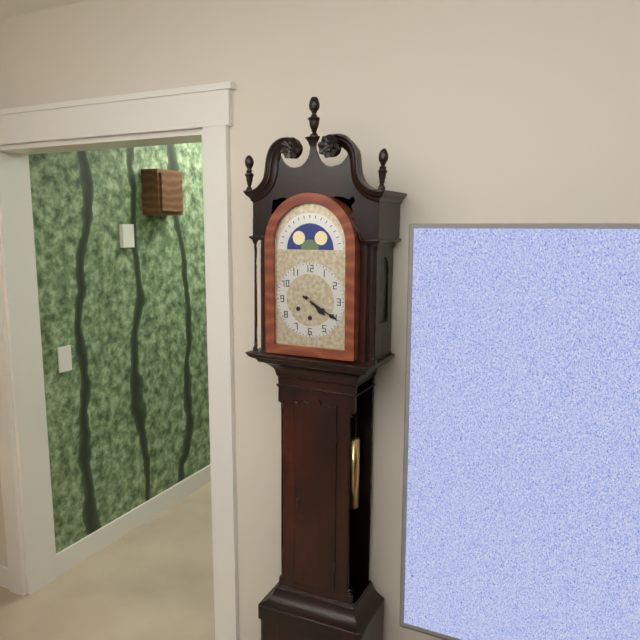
4:20
